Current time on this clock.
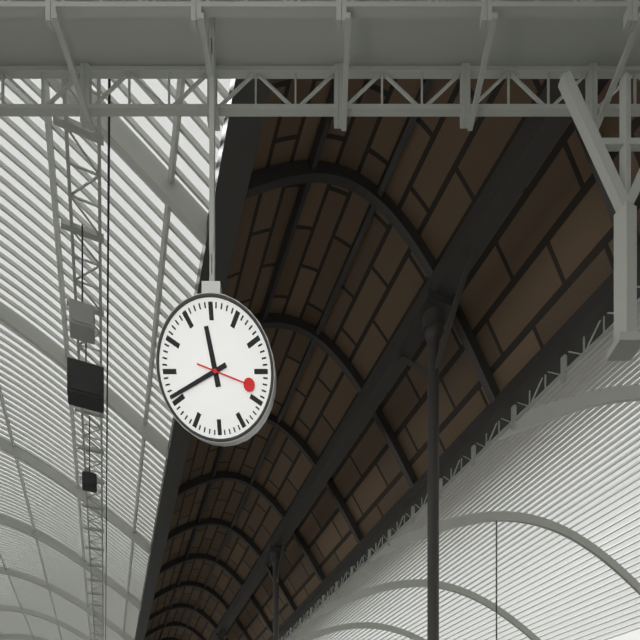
11:41:18
